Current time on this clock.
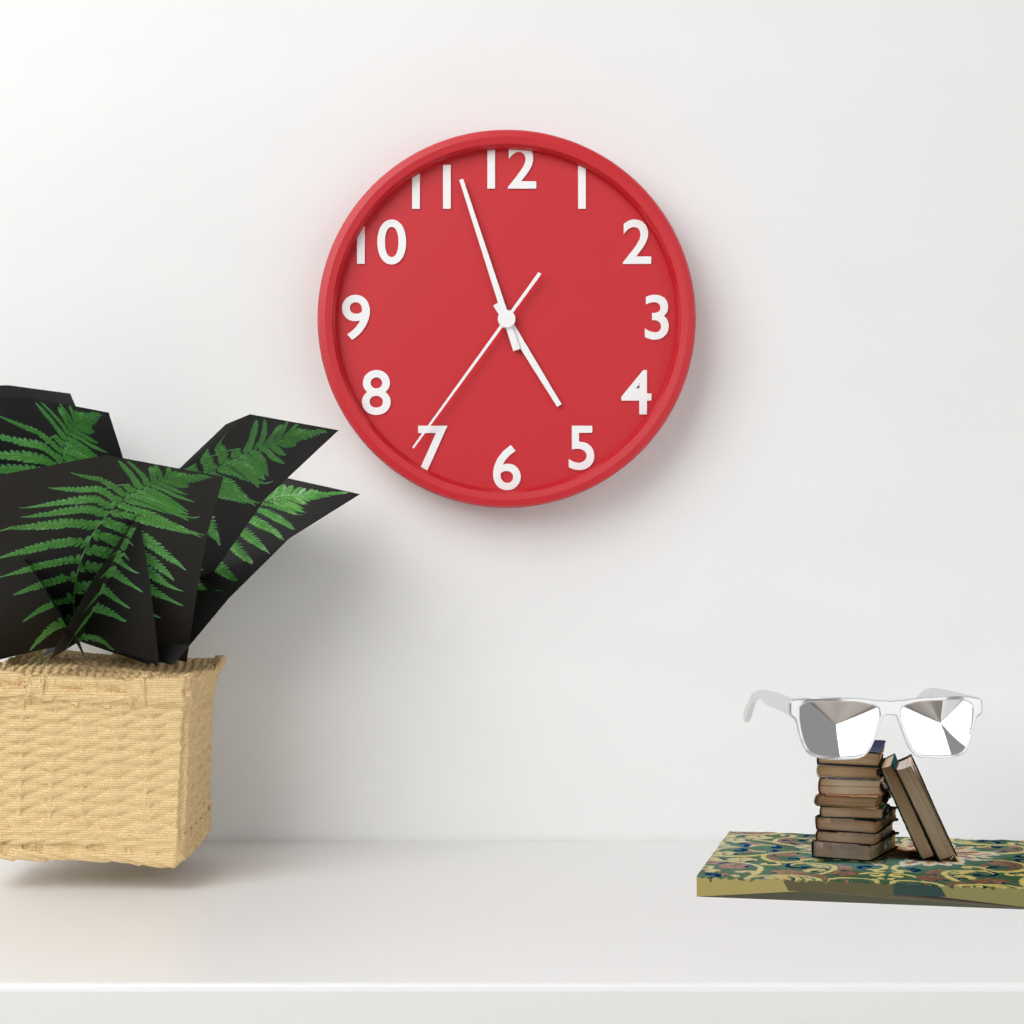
4:57:36
